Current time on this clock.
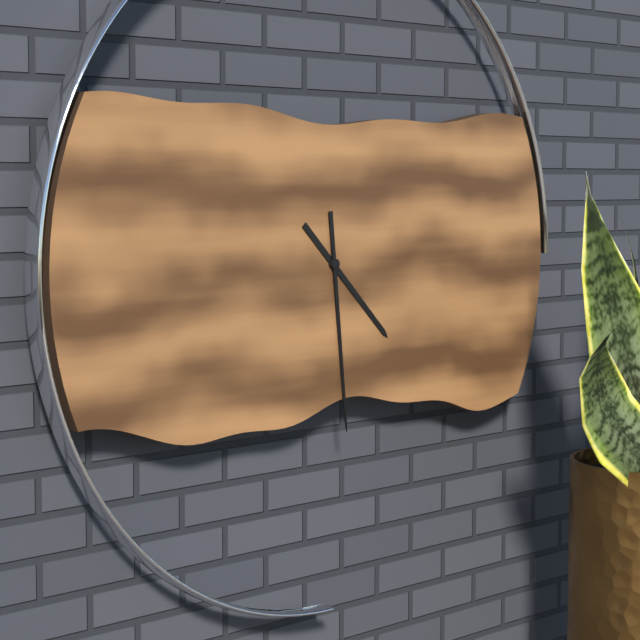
4:29
